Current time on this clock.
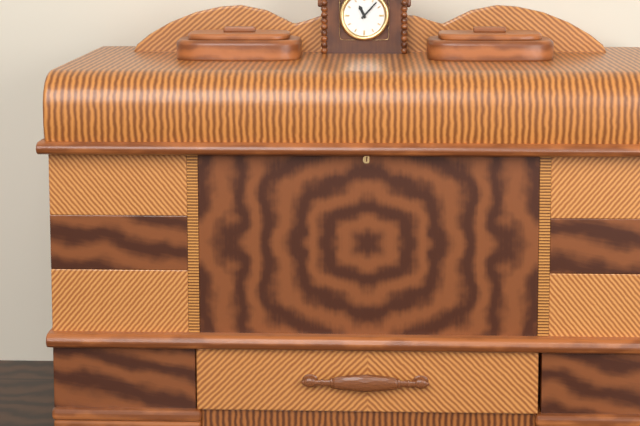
11:07
